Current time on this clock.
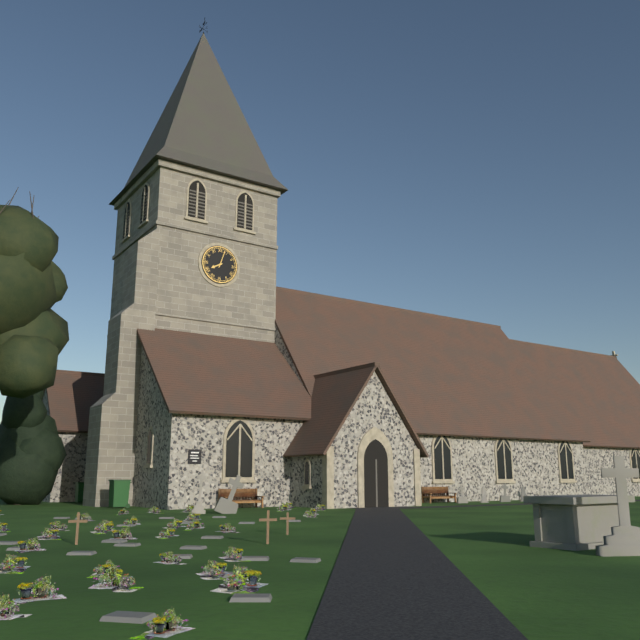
8:03
